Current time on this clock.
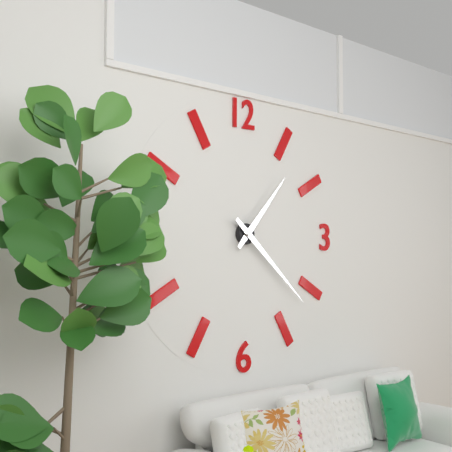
1:22
